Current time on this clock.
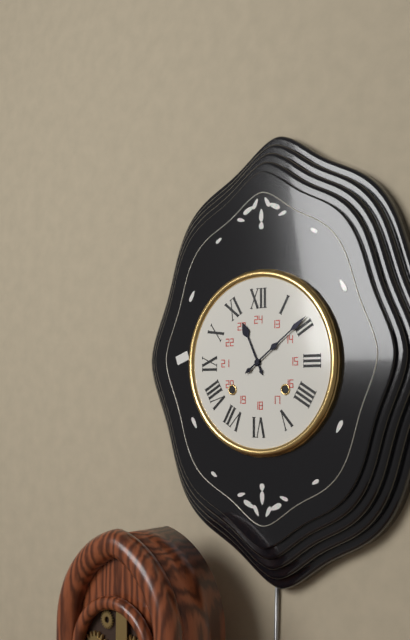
11:09
